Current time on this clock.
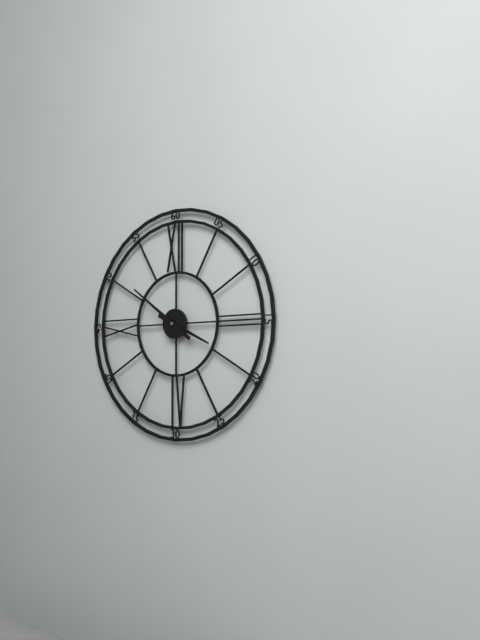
3:51
